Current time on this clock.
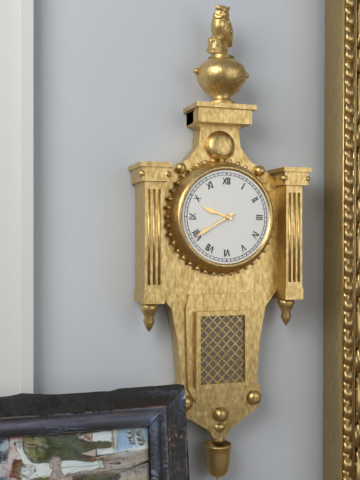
9:40
